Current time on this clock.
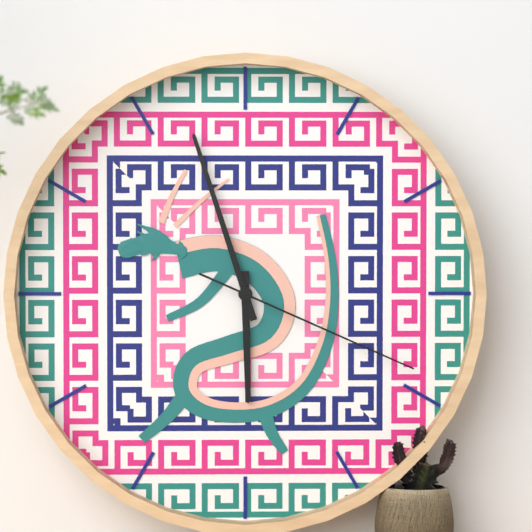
5:57:19
